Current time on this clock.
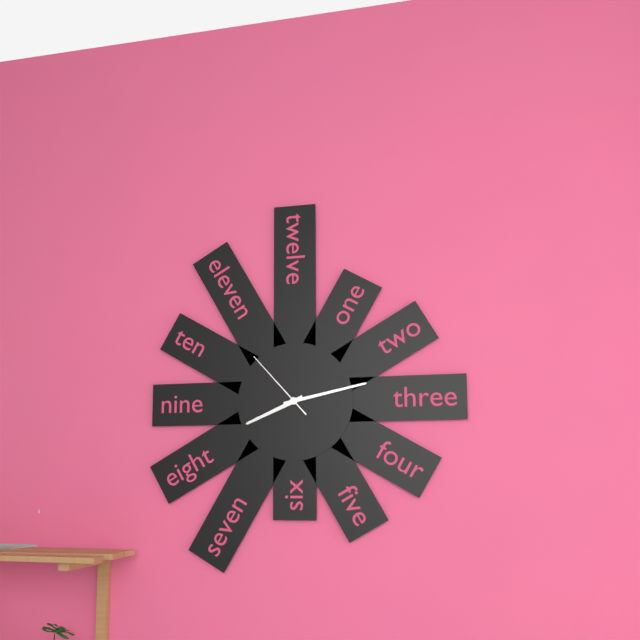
8:13:53
